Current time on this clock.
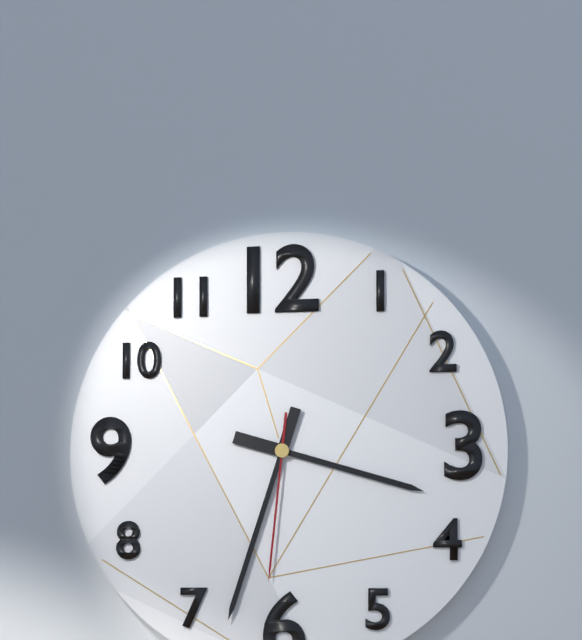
3:33:31
